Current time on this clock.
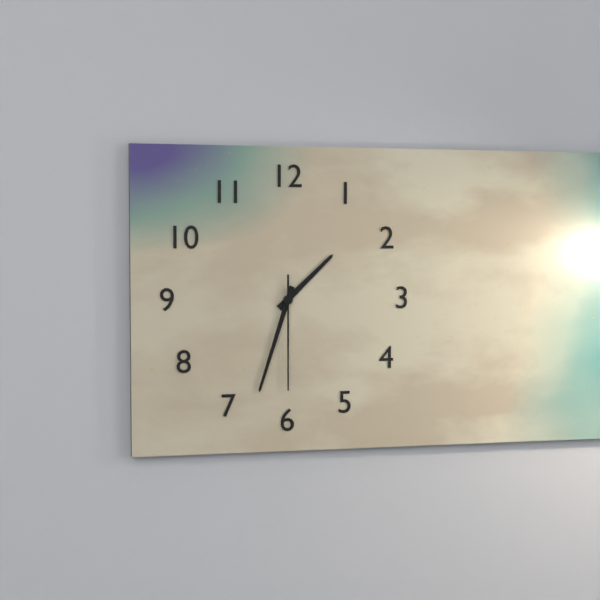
1:33:30
